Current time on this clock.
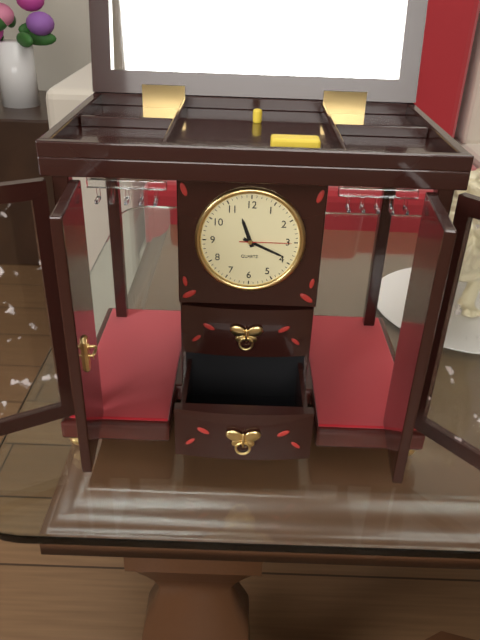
11:19:15
